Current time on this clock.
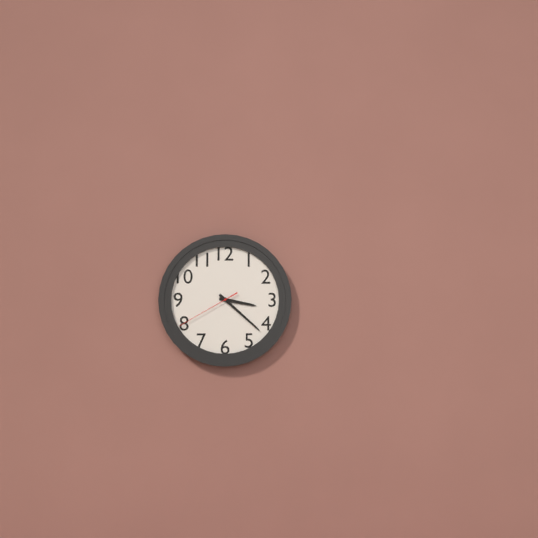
3:22:40
